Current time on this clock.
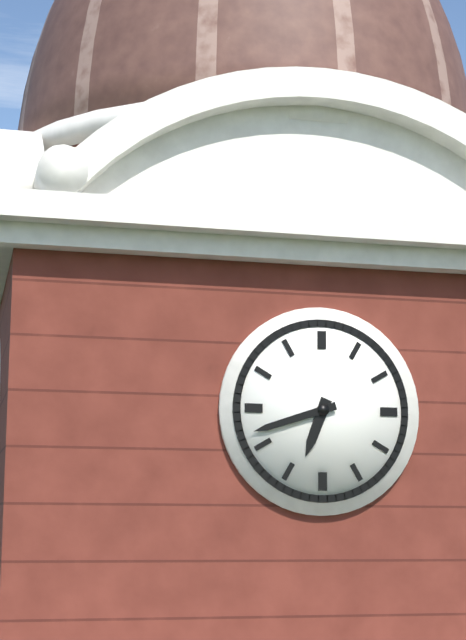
6:42
